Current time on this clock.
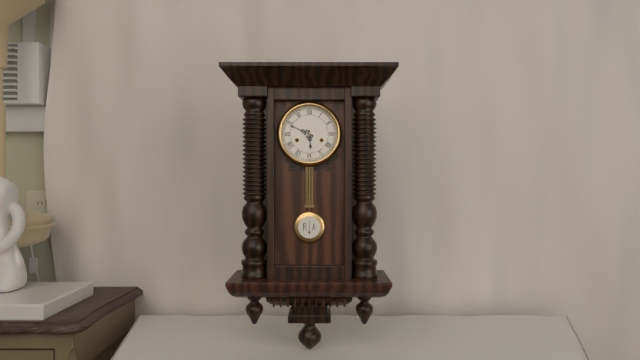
5:49
